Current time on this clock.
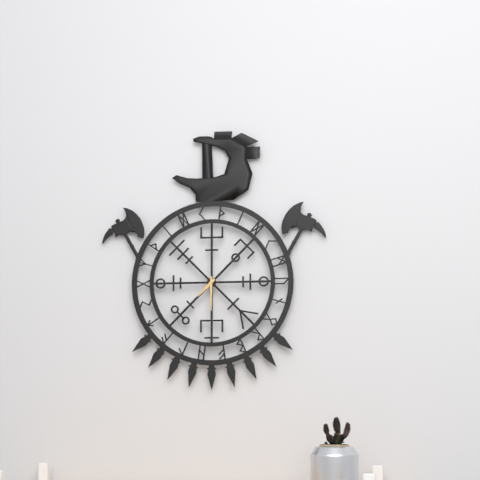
7:30
